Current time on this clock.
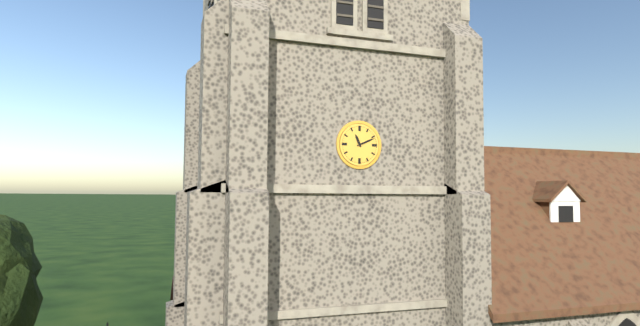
11:11
